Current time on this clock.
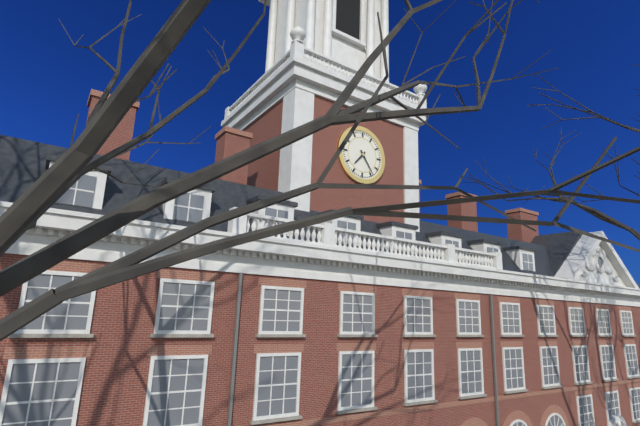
7:24
